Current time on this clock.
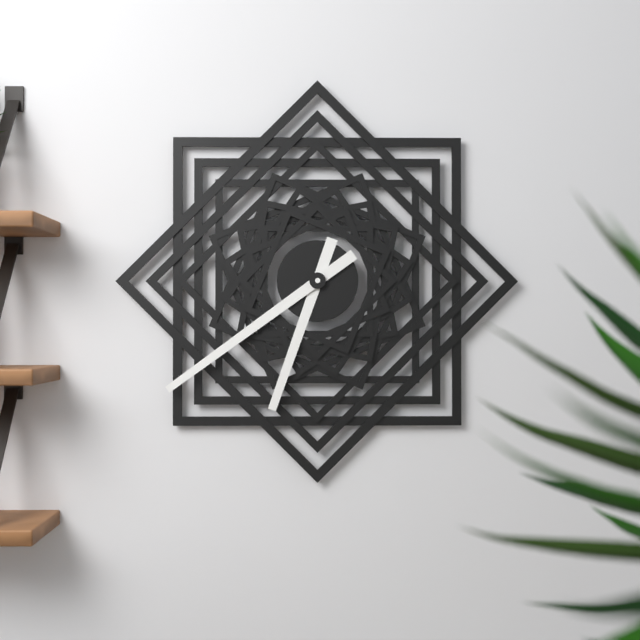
6:39
